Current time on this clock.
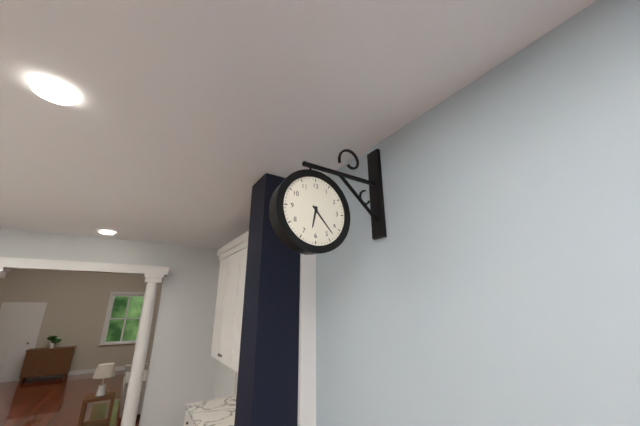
6:23
